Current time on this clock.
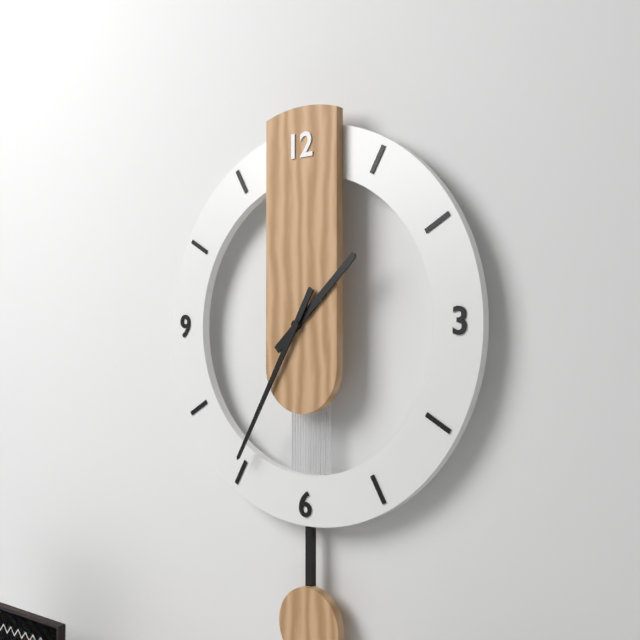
1:35
